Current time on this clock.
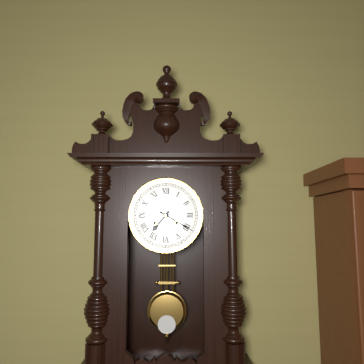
7:20
